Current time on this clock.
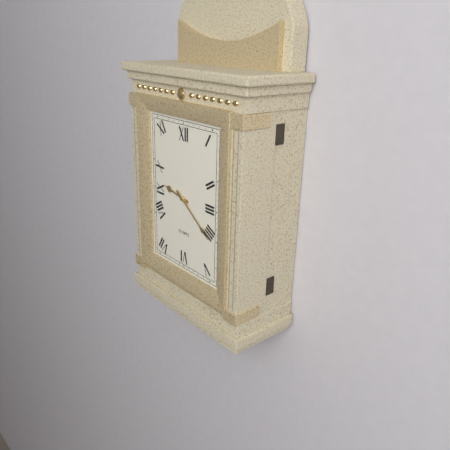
9:21
